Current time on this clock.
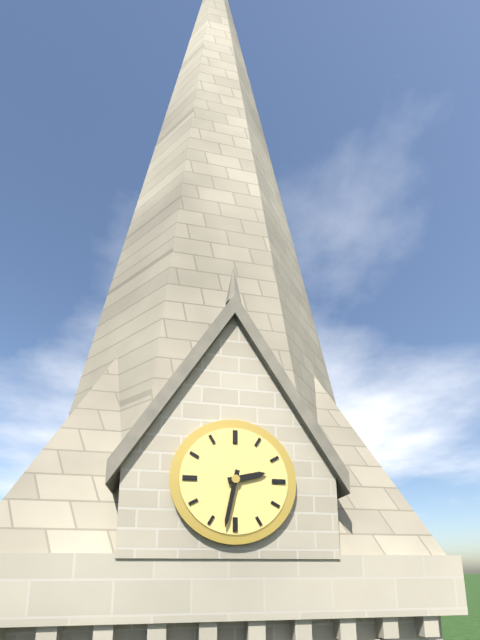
2:32
